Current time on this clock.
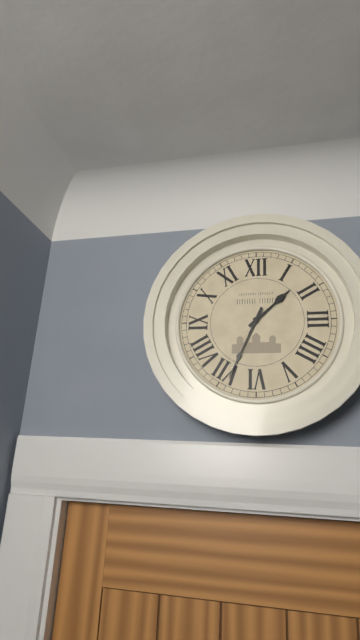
1:34
